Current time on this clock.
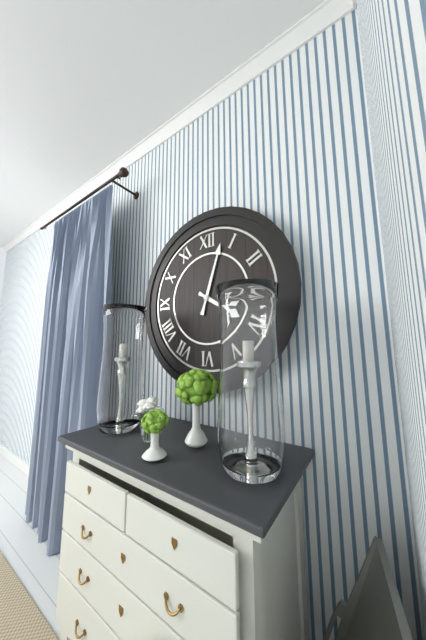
4:03
